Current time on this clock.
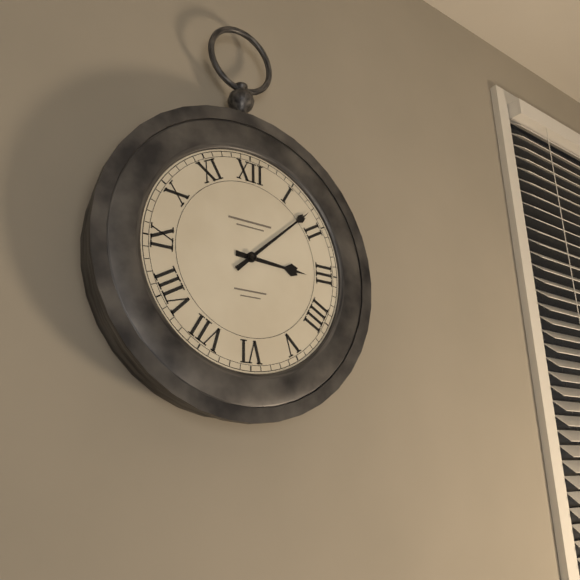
3:08
